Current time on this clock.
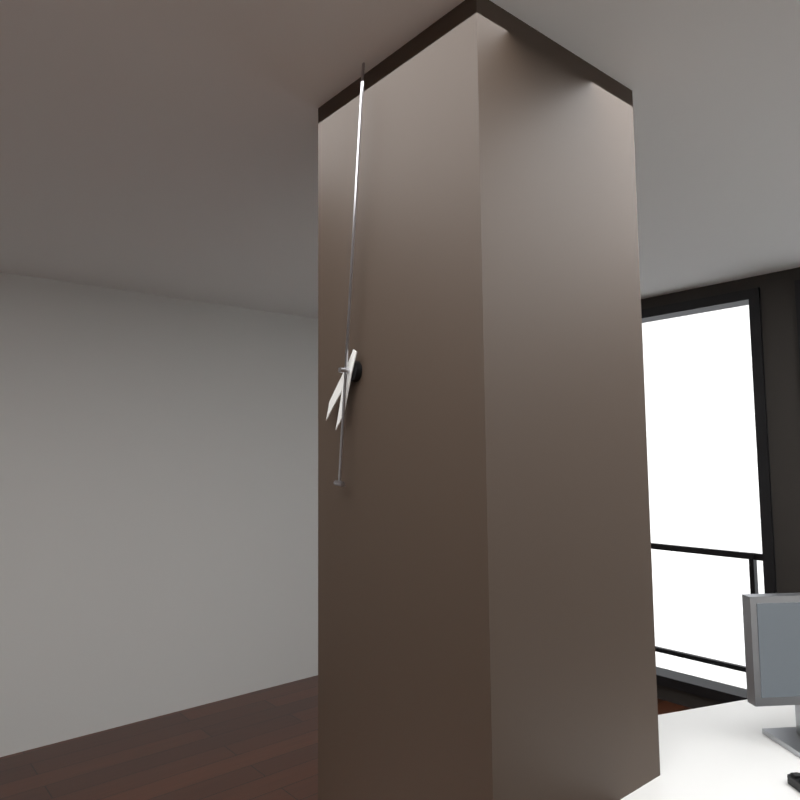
7:01
